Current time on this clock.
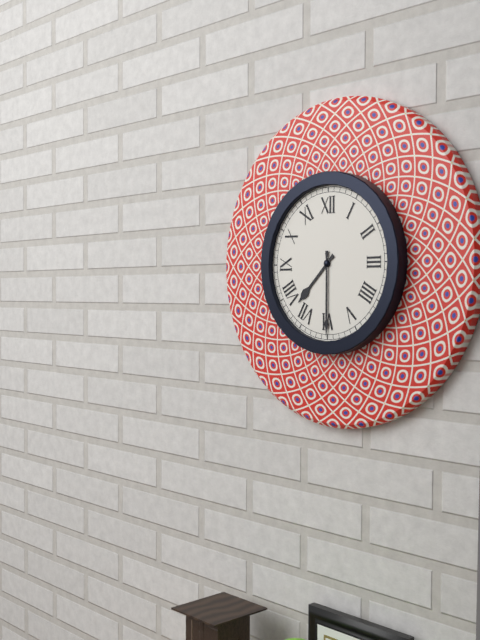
7:30
